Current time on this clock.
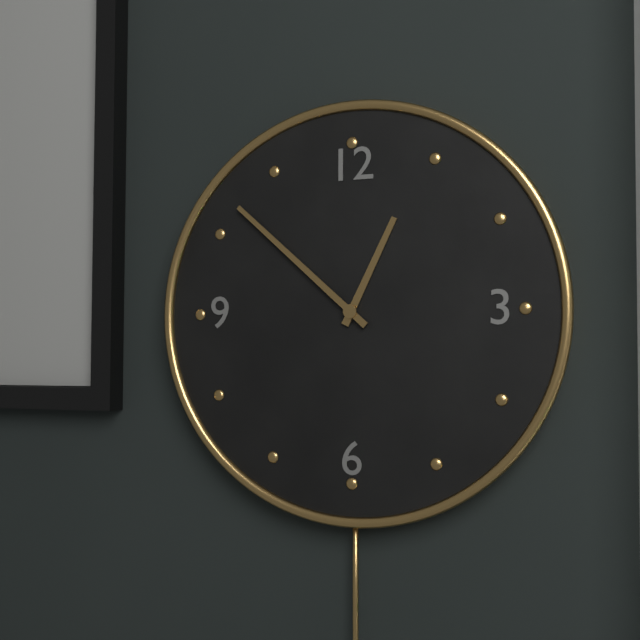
12:52
